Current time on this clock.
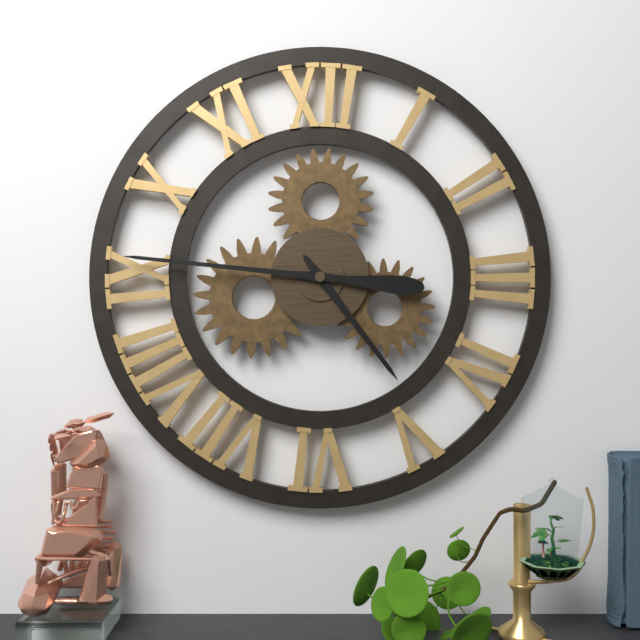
4:46
